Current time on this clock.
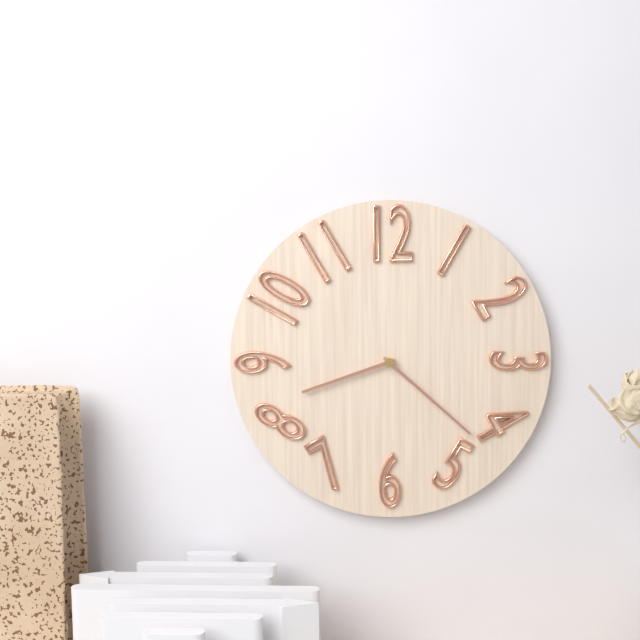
8:22
